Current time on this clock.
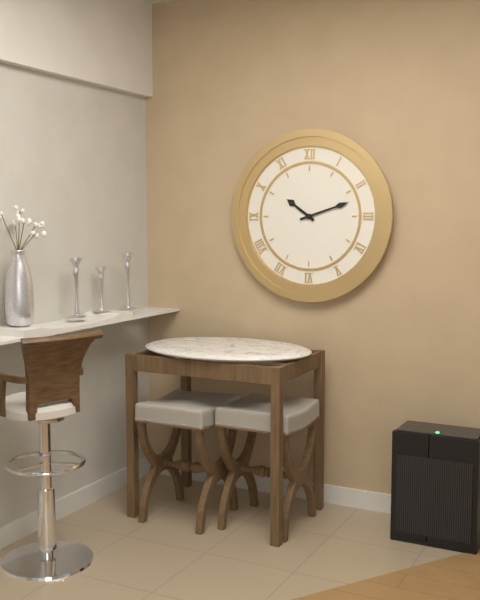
10:12
